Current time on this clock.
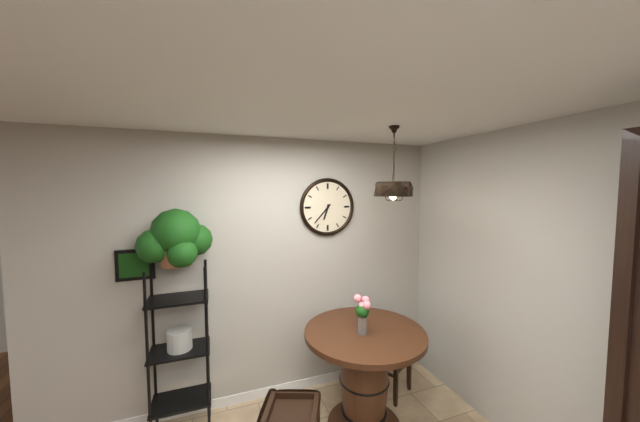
6:37
